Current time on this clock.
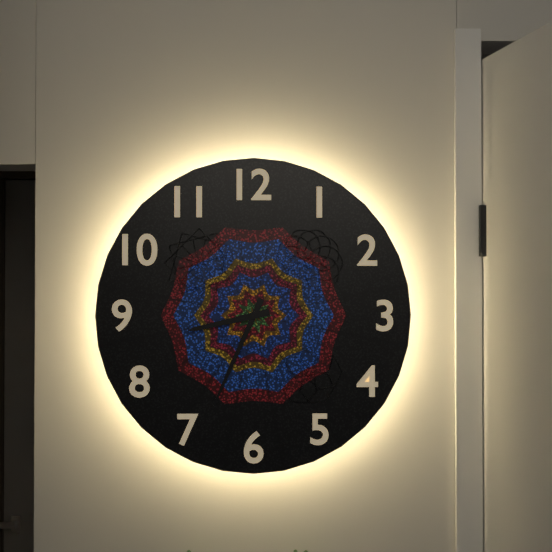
8:34
